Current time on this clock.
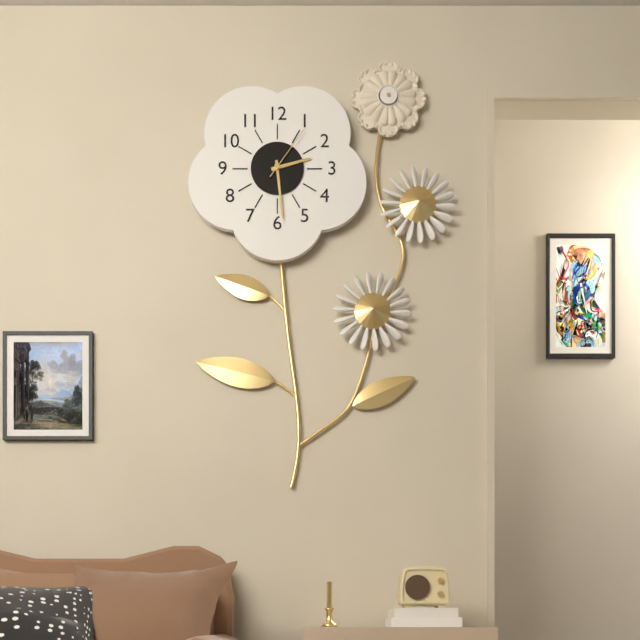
2:29:06
